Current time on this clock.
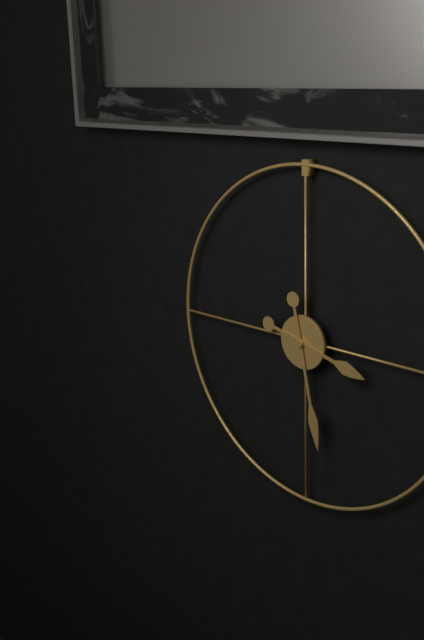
3:28
